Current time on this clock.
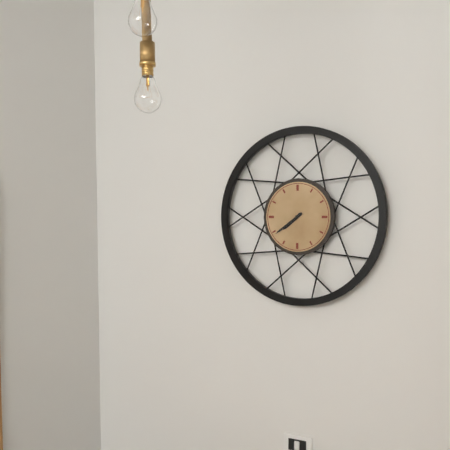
7:39
